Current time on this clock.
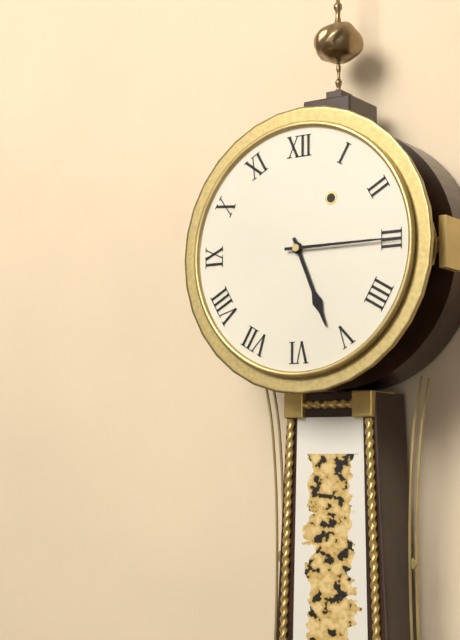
5:15
